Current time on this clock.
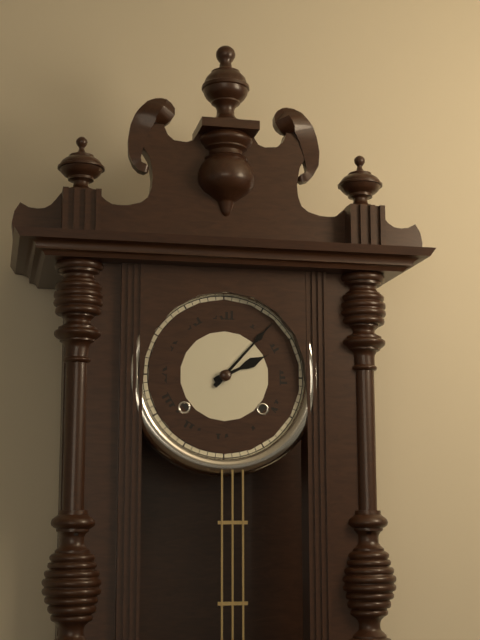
2:07
